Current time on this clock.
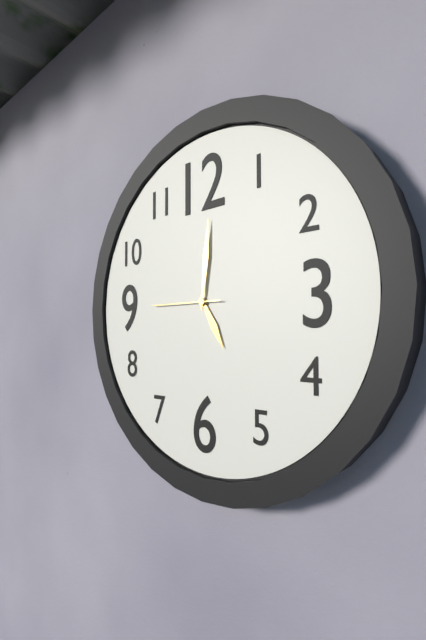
5:01:45
